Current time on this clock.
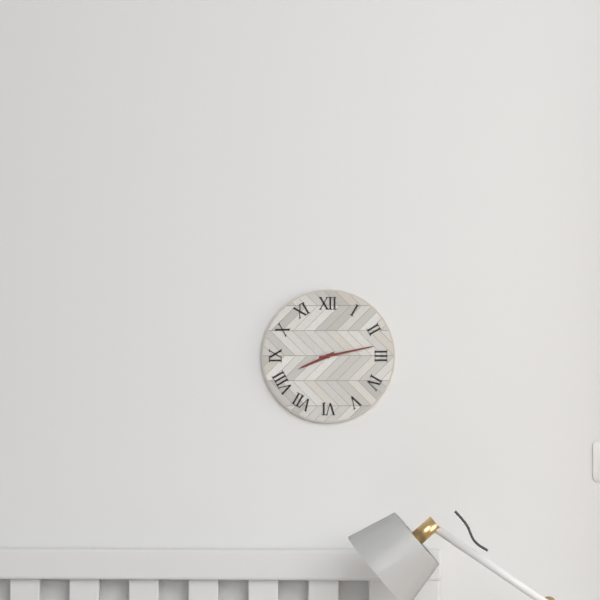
8:13
